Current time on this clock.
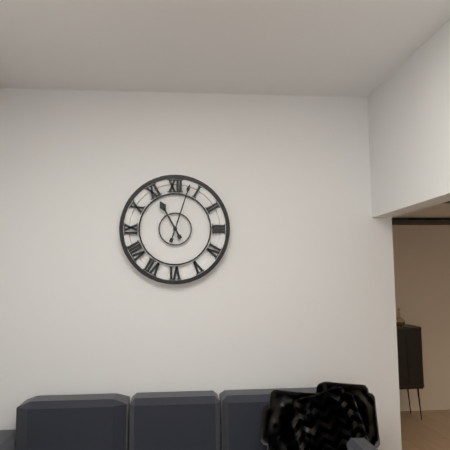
11:03
